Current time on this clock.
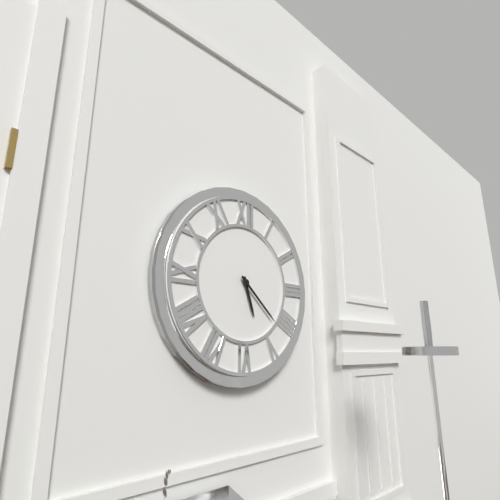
5:22
